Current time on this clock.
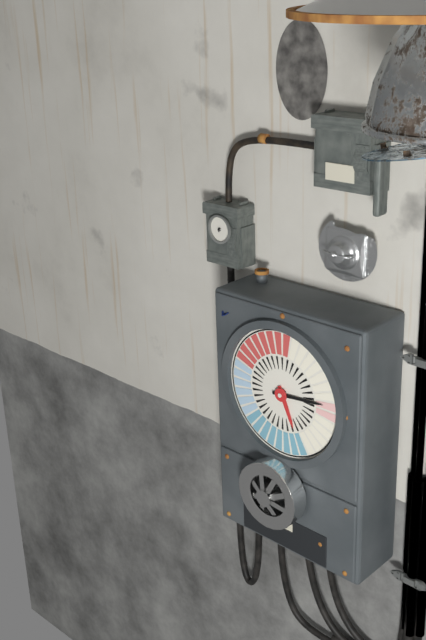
5:14
